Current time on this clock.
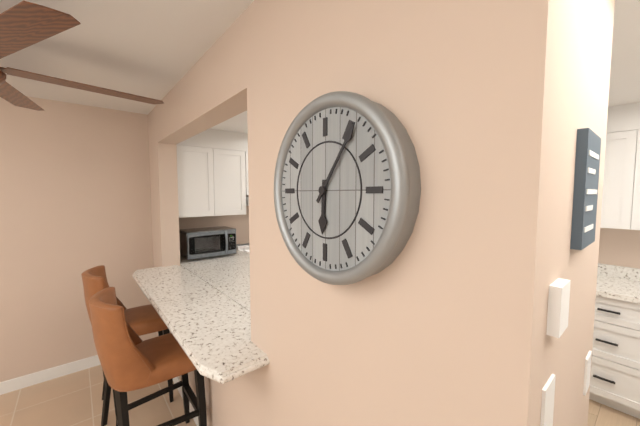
6:06
